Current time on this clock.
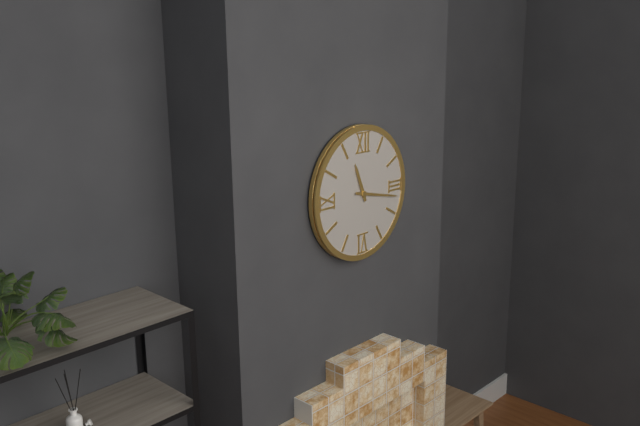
11:17
